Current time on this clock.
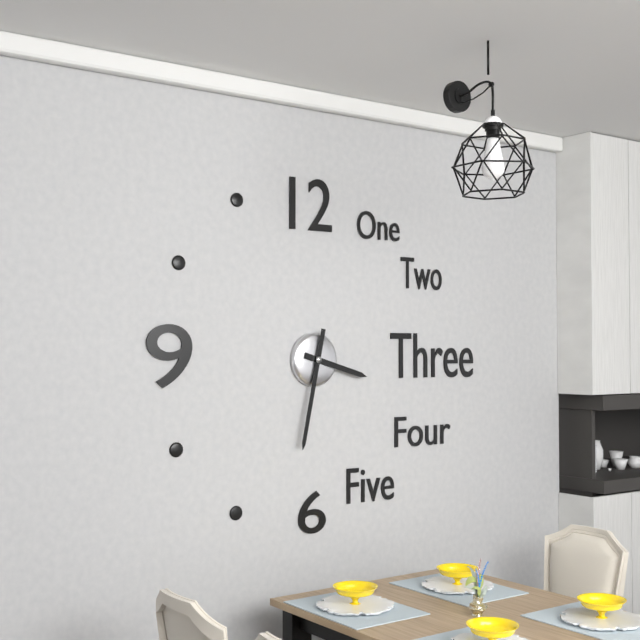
3:32
